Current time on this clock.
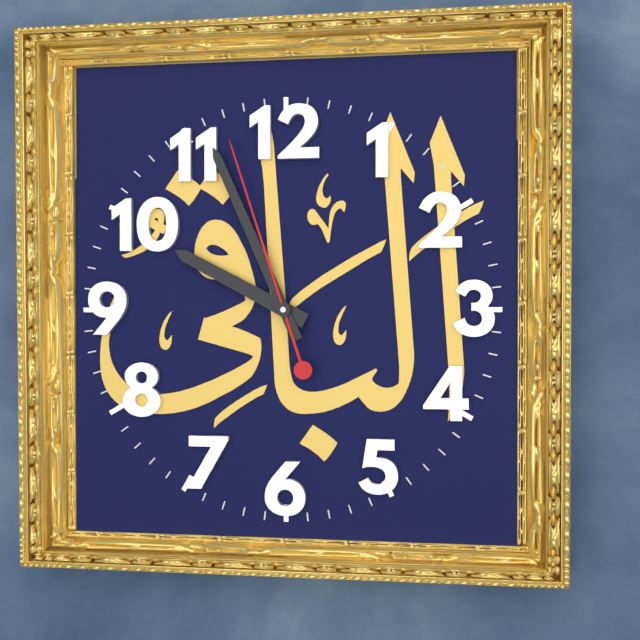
9:56:57
